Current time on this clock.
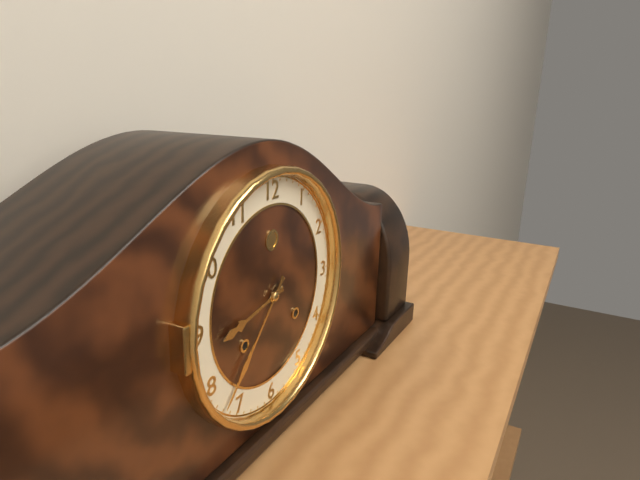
8:37
